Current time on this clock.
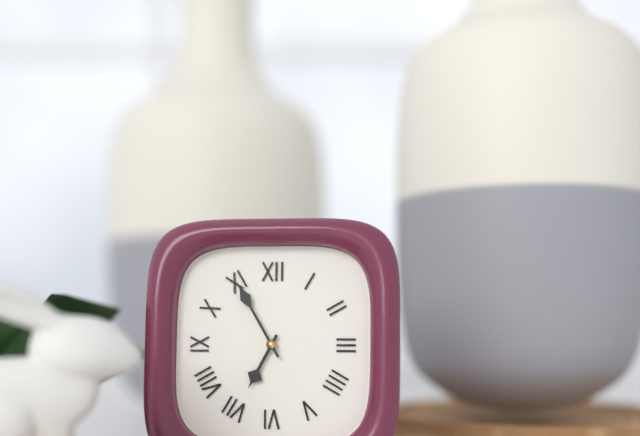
6:55
